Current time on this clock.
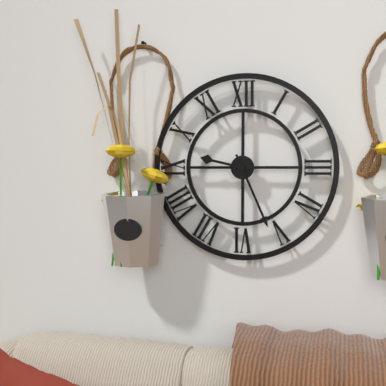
9:26
